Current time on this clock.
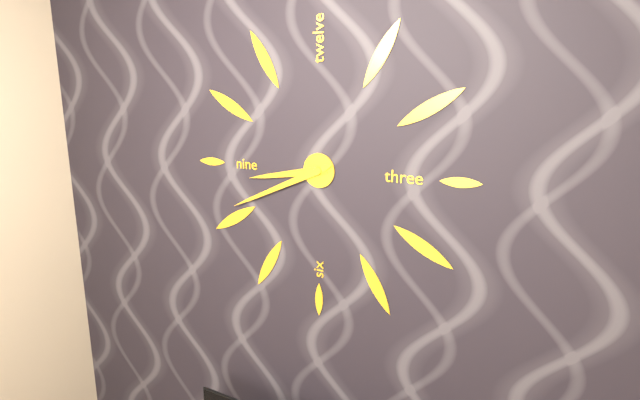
8:41
